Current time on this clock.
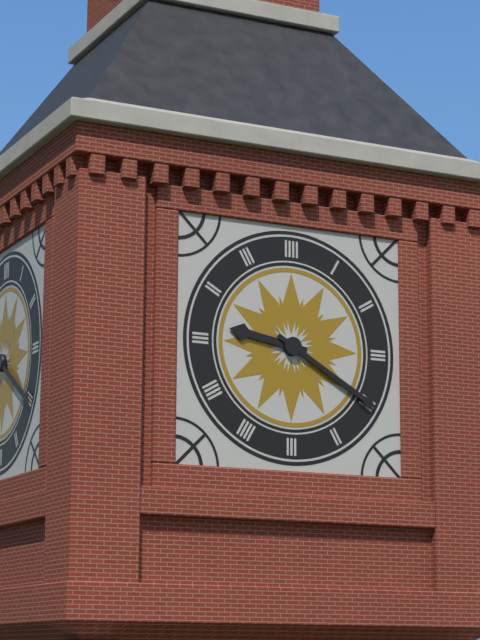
9:20
